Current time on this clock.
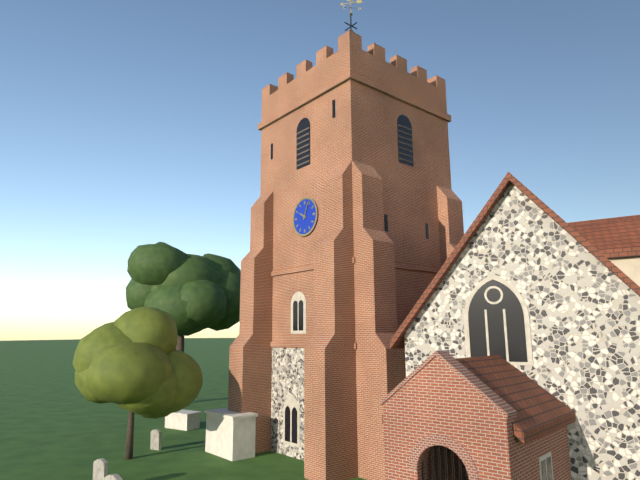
10:04
